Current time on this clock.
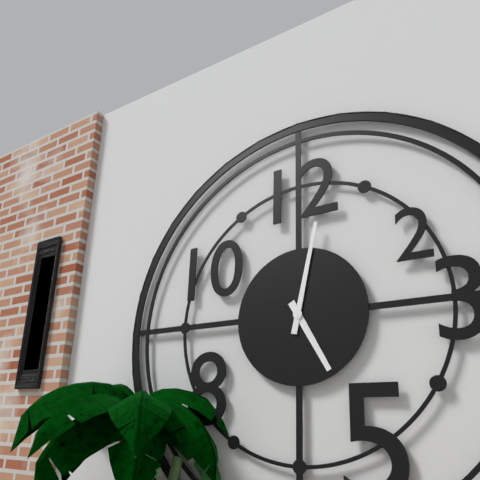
5:02
